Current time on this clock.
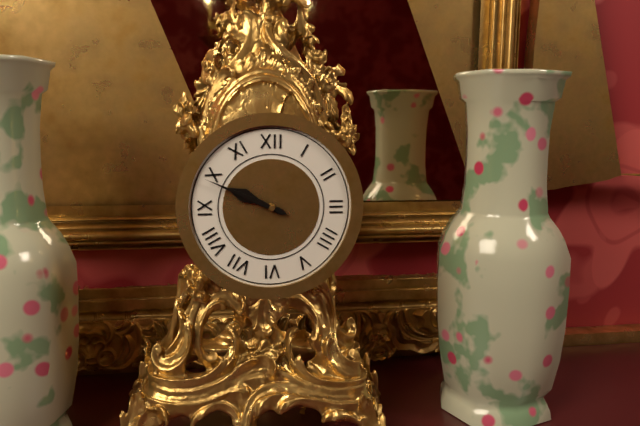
9:49
